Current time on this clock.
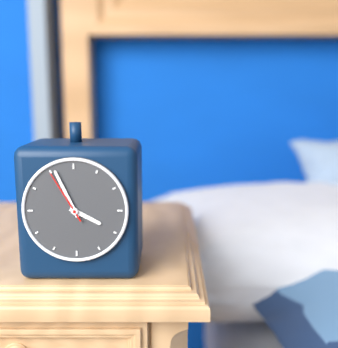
3:56:55
